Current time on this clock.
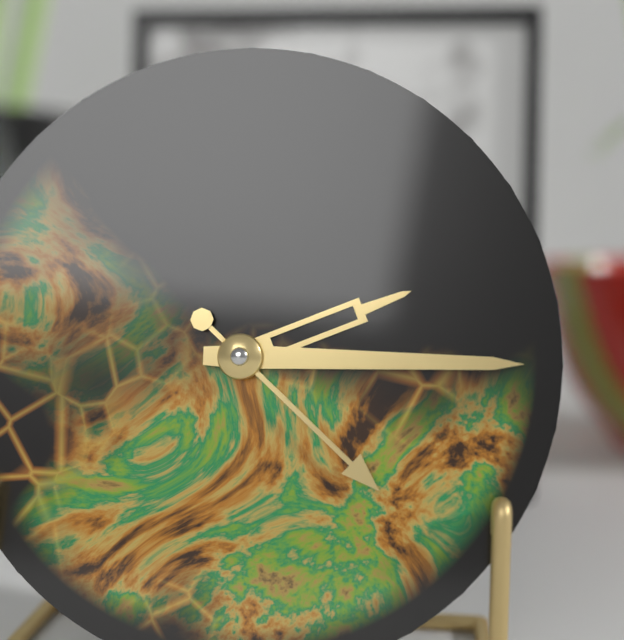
2:15:22
